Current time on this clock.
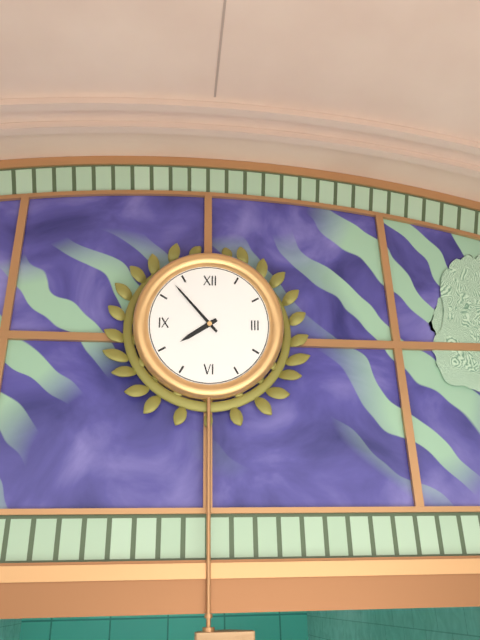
7:53
